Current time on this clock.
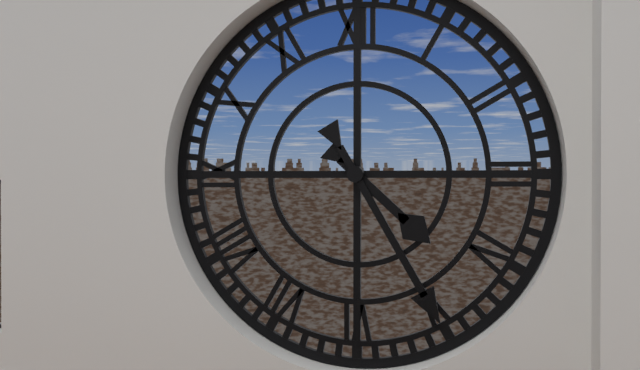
4:25
